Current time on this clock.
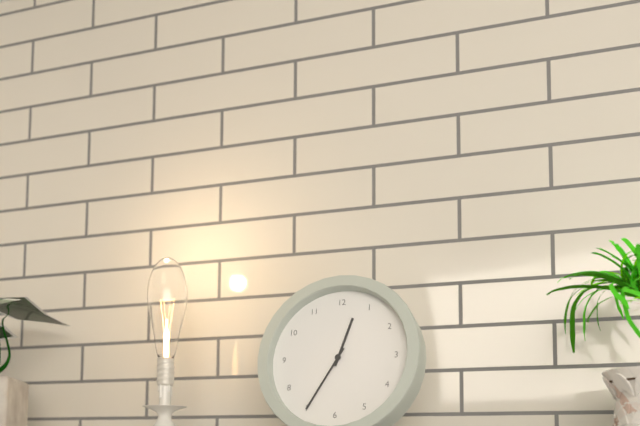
12:35
